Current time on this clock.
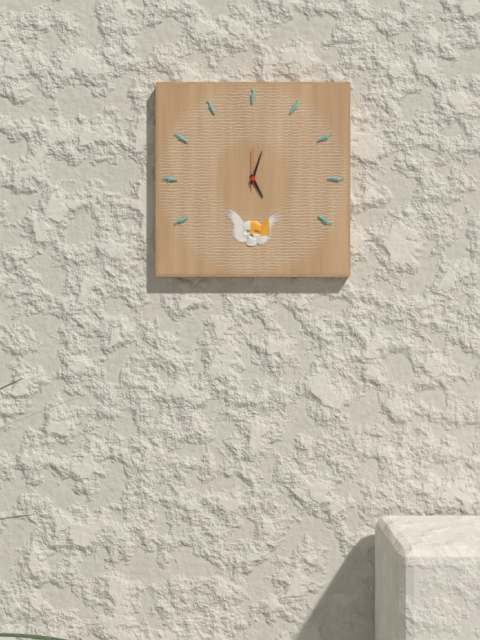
5:03
